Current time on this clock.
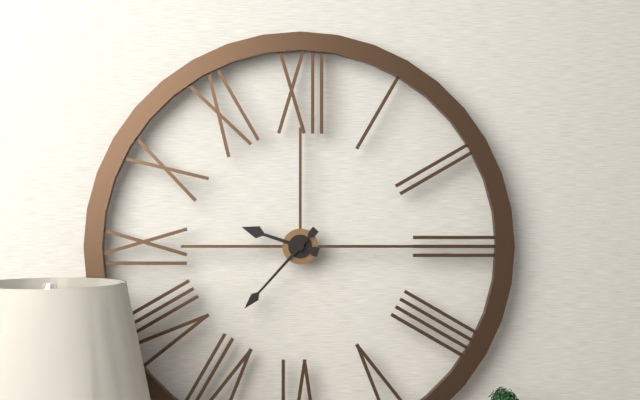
9:37
